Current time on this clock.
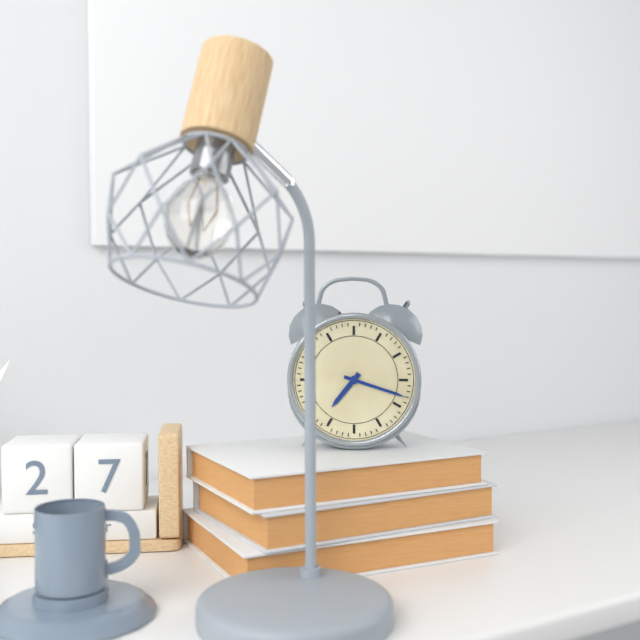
7:18
